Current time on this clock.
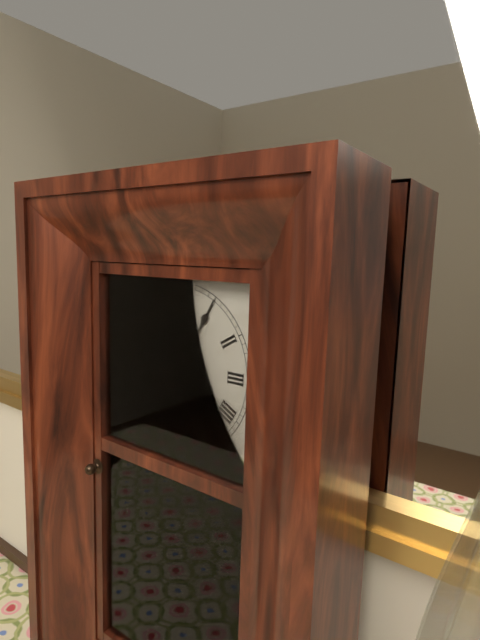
4:05
